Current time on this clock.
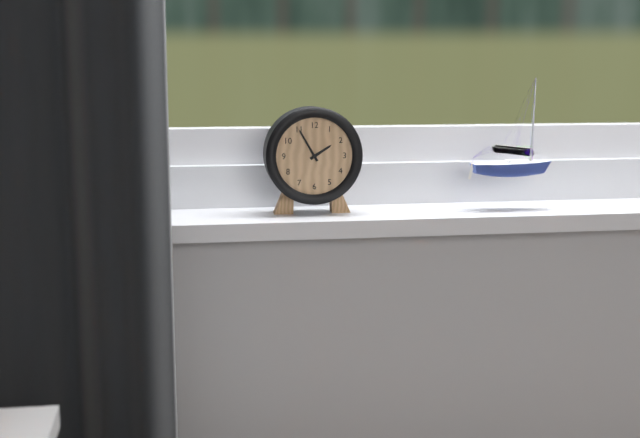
1:55
